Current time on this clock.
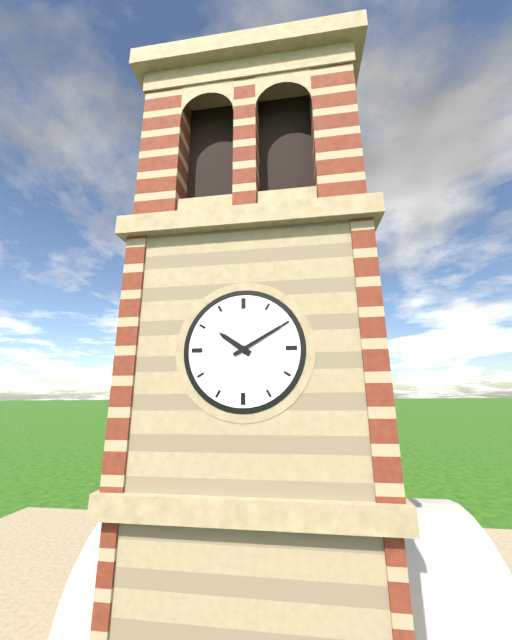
10:10
